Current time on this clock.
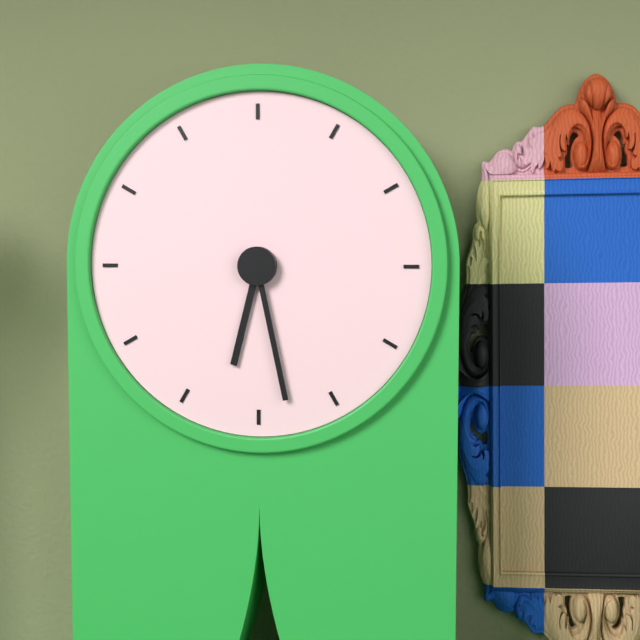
6:28
